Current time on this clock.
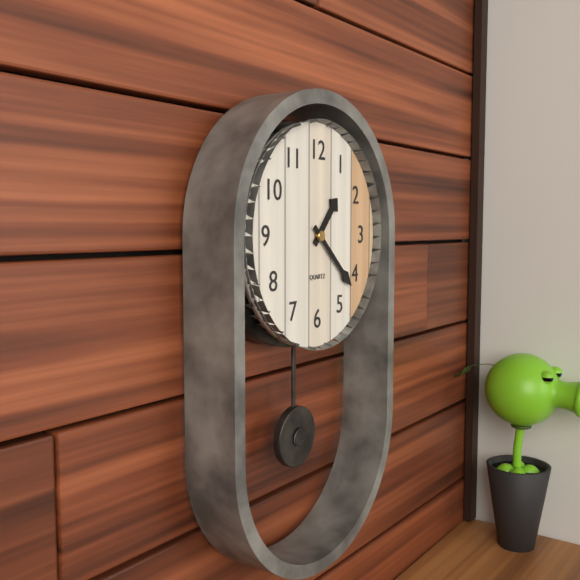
1:22
